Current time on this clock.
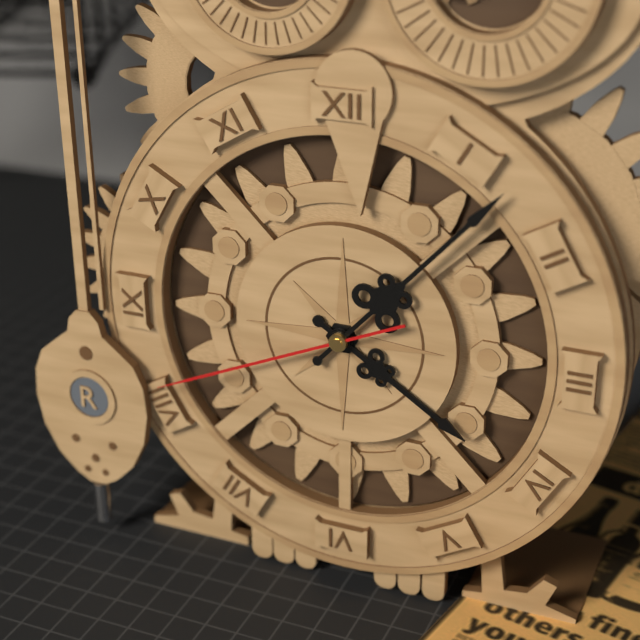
4:07:41
